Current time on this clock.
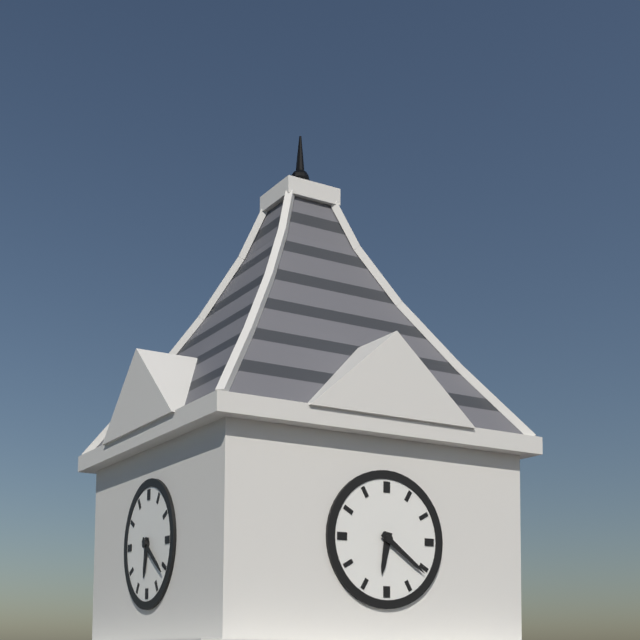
6:21
